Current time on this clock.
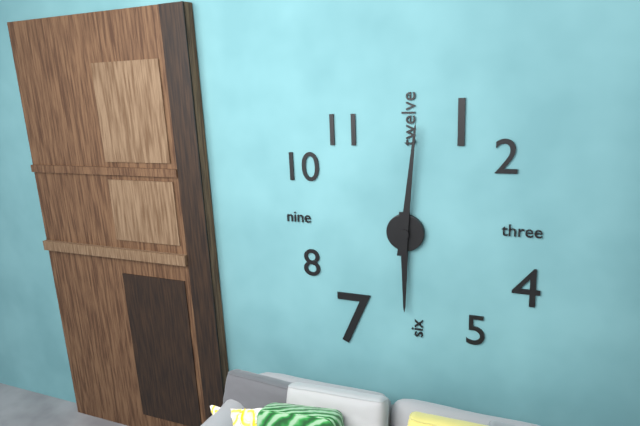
6:01
